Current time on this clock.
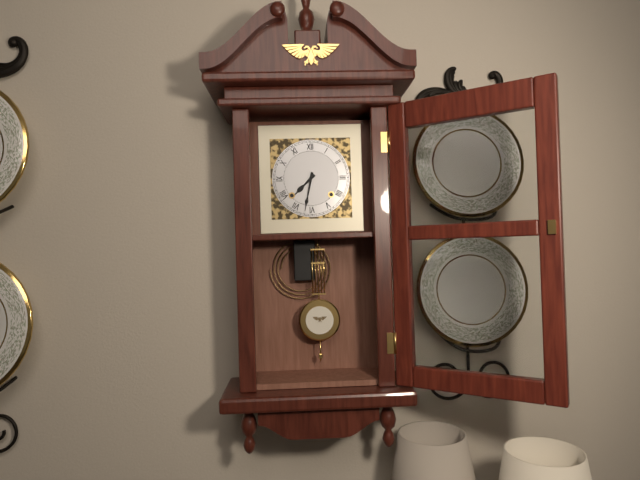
7:32
